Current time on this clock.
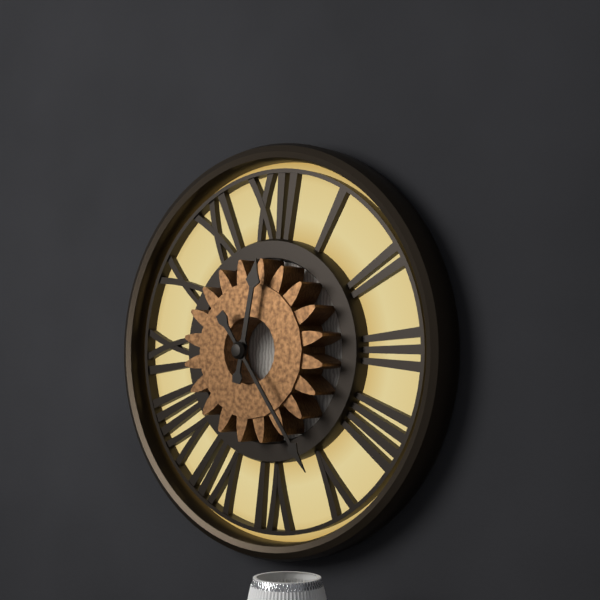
12:24
